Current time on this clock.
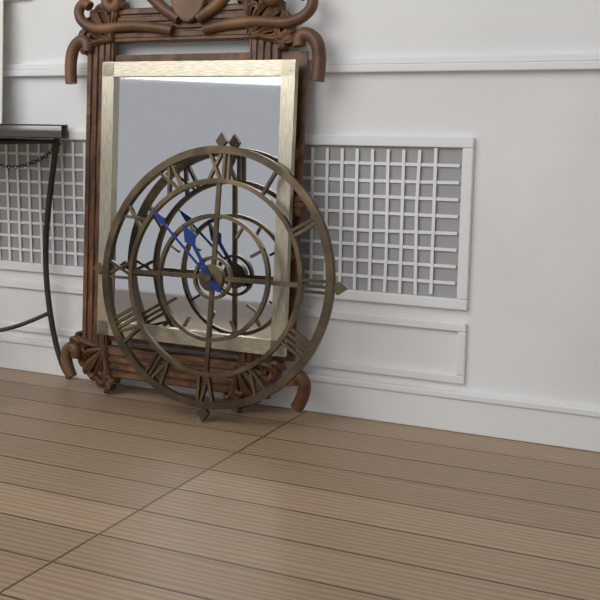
10:52
